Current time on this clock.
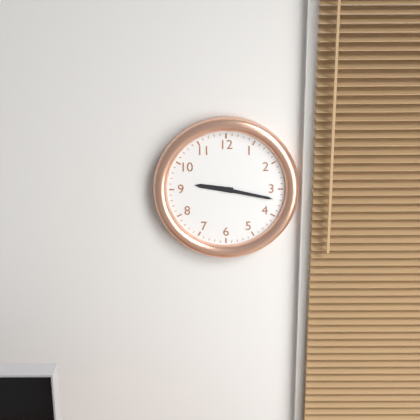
9:17
